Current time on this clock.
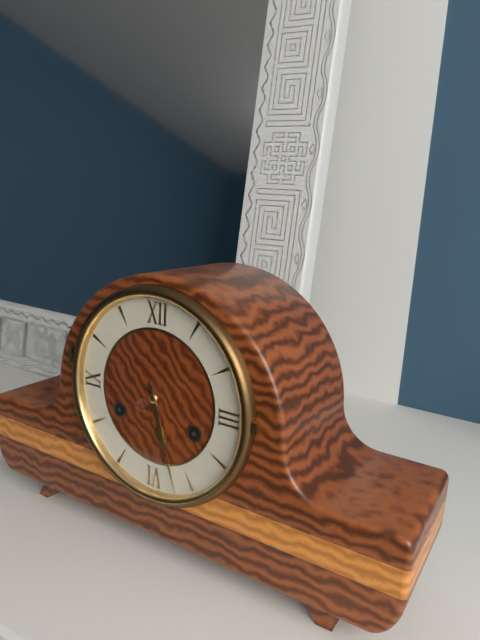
5:27
